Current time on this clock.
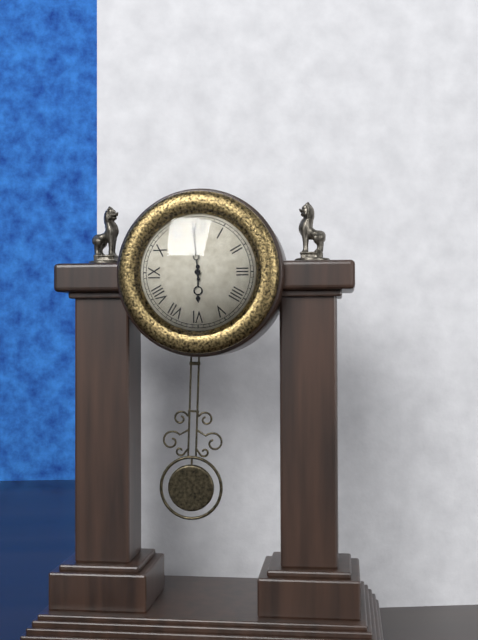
5:59
